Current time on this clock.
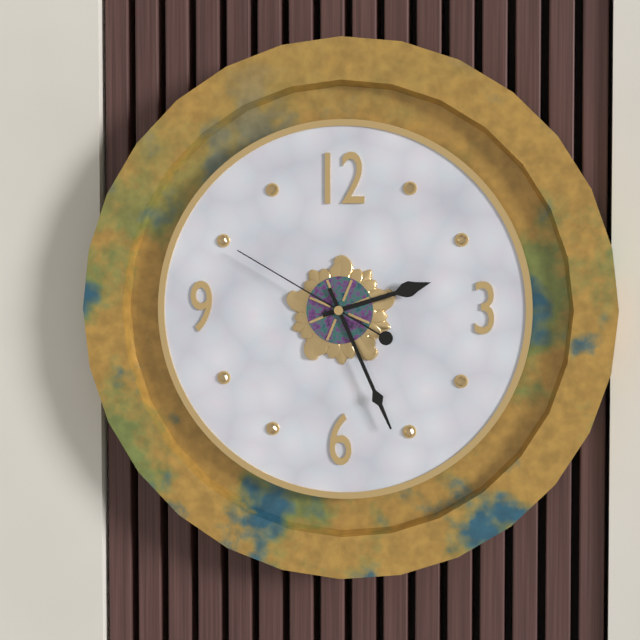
2:26:50
